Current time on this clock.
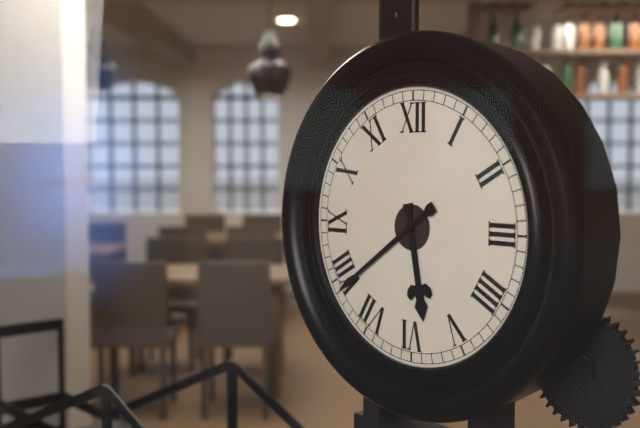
5:39
